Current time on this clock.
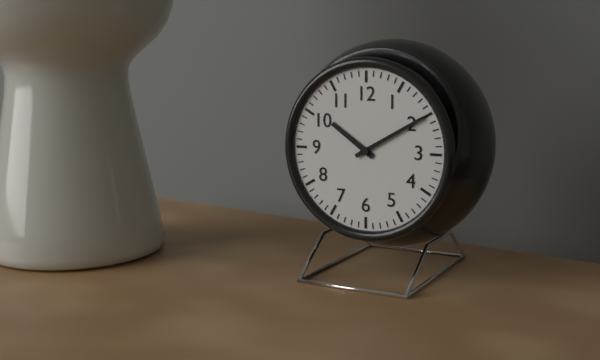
10:10
